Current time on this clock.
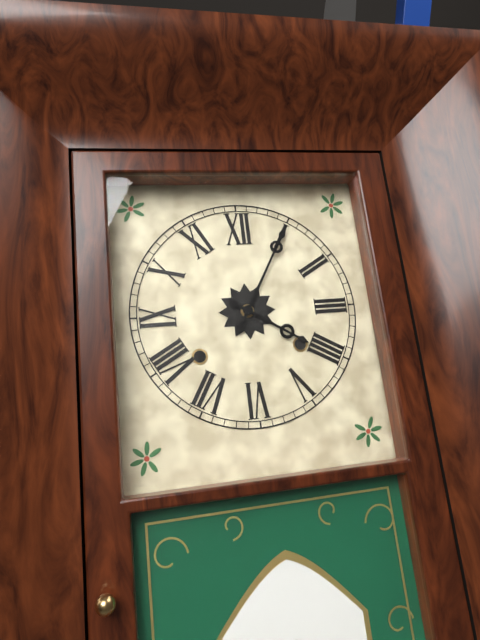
4:05
